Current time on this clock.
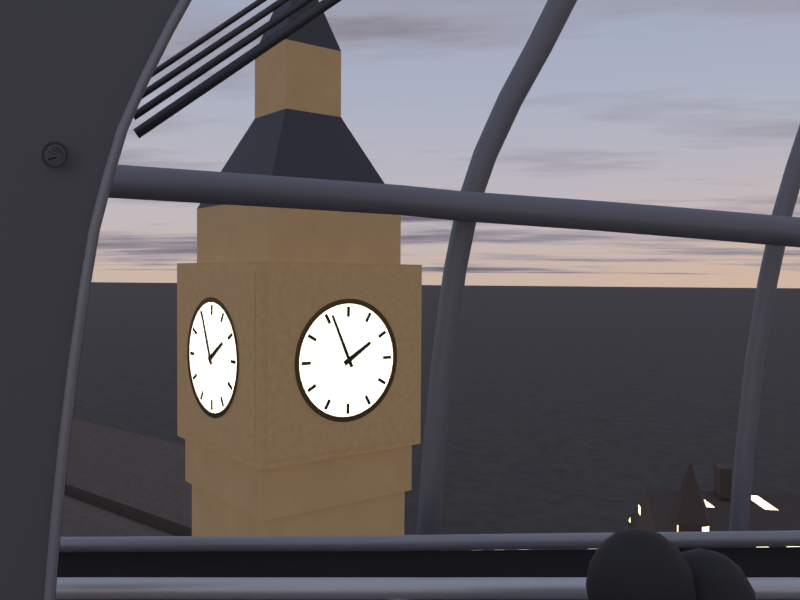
1:56
